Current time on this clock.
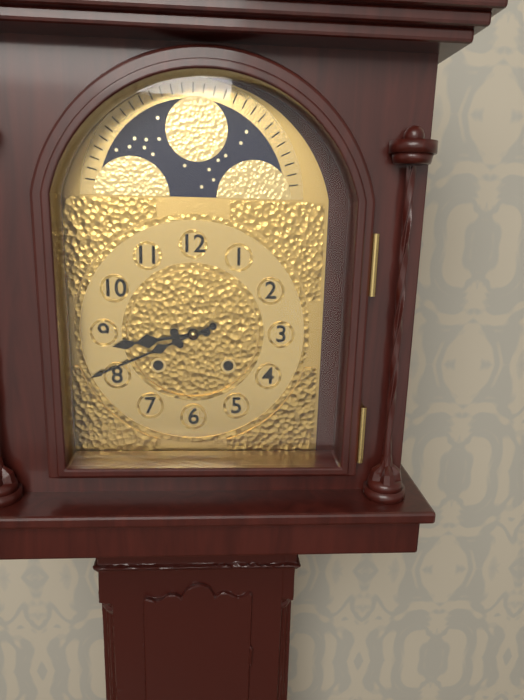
8:41
